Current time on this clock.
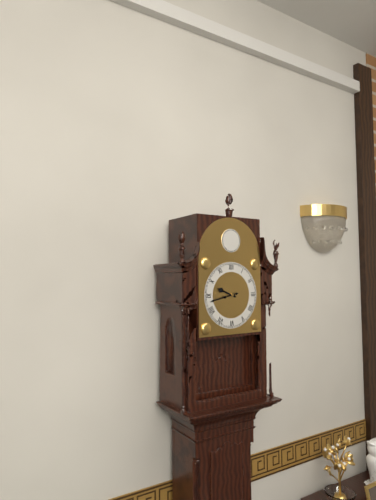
9:43
